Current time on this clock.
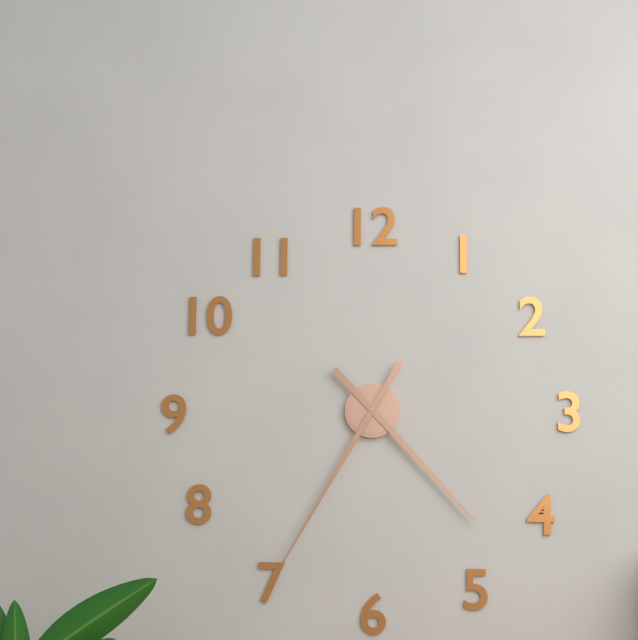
4:35
